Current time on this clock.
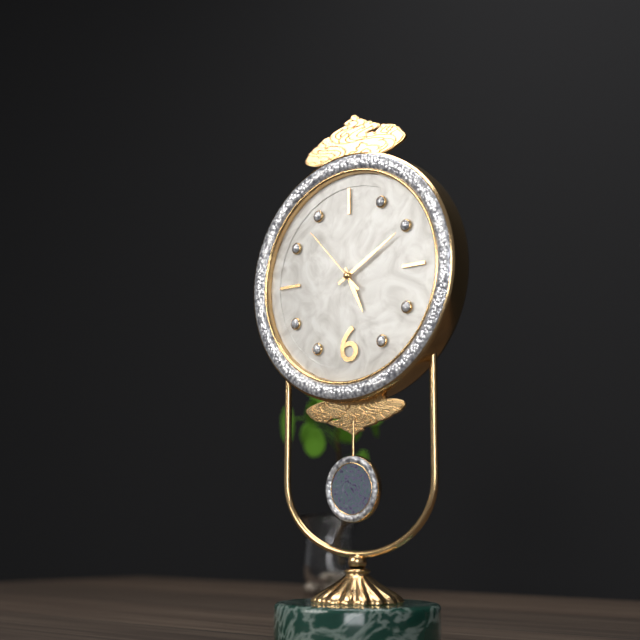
5:10:53
